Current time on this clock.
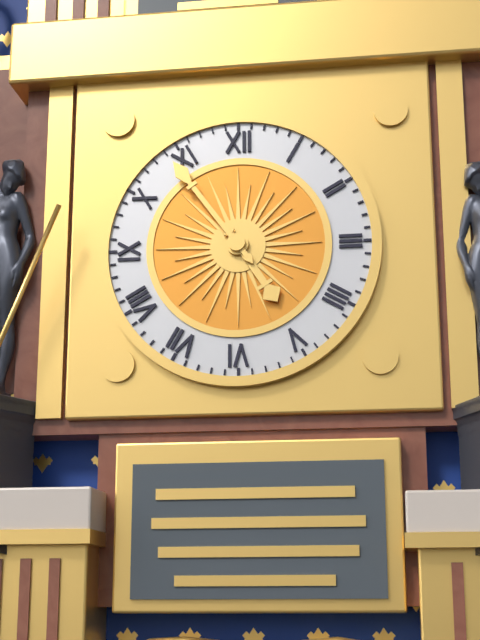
4:54
